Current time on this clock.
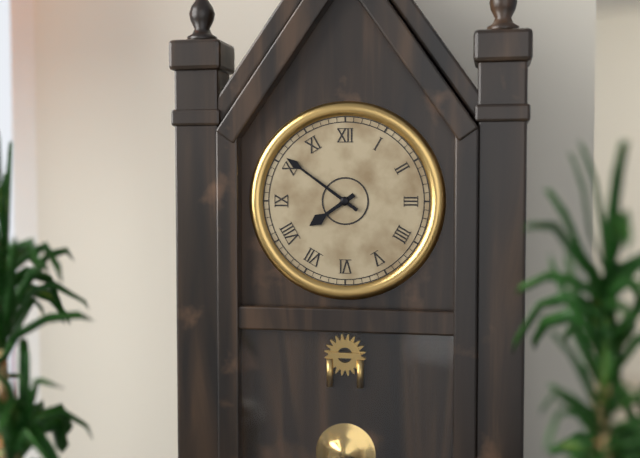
7:51
